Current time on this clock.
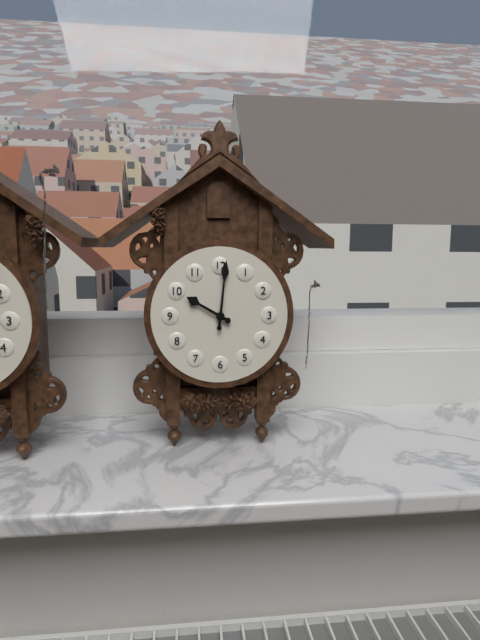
10:01
